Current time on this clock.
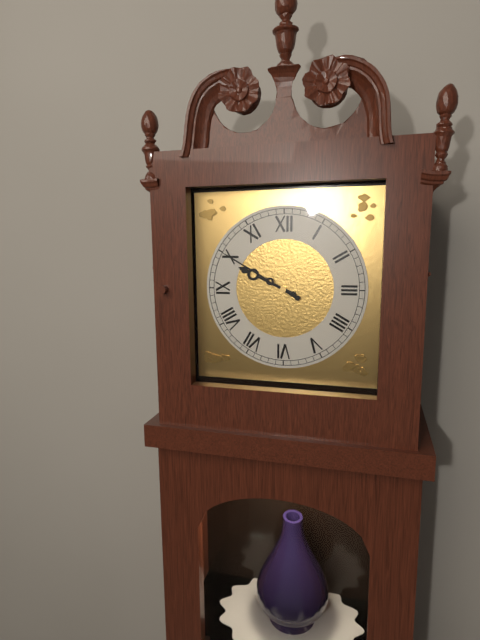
9:50
